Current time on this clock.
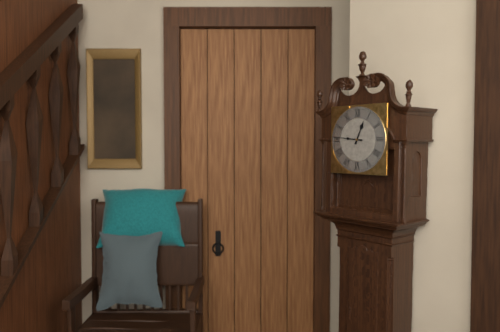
12:46
